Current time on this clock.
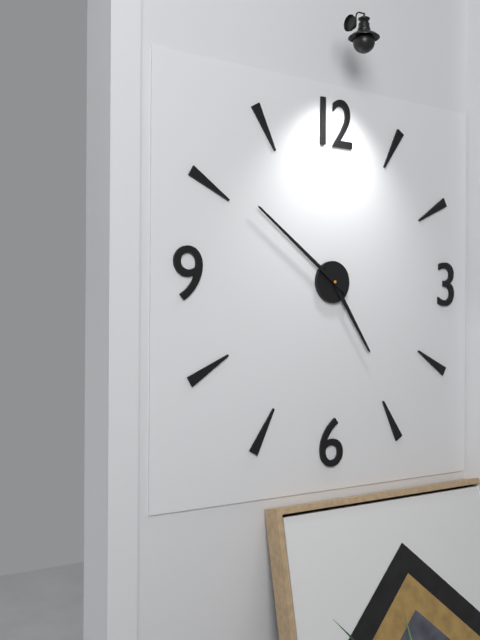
4:51
